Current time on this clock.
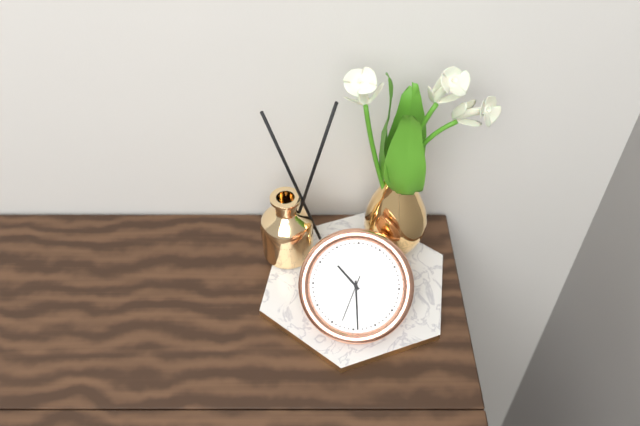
10:29
